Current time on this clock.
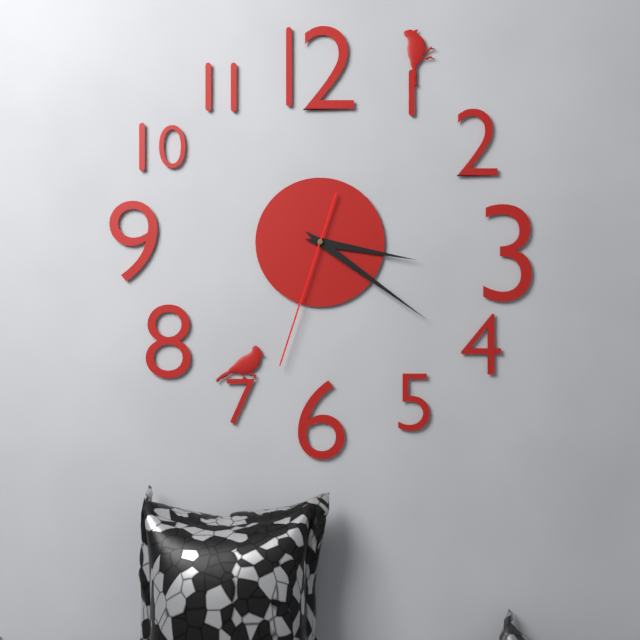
3:21:33
